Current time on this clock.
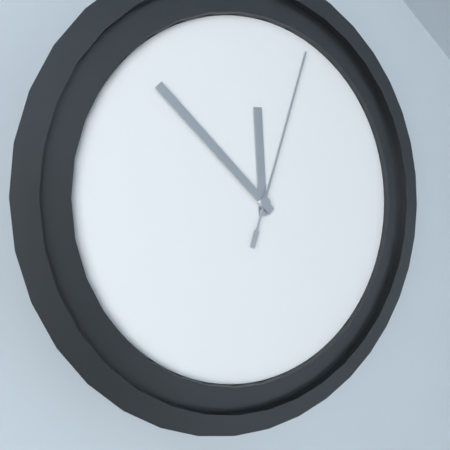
11:52:03
